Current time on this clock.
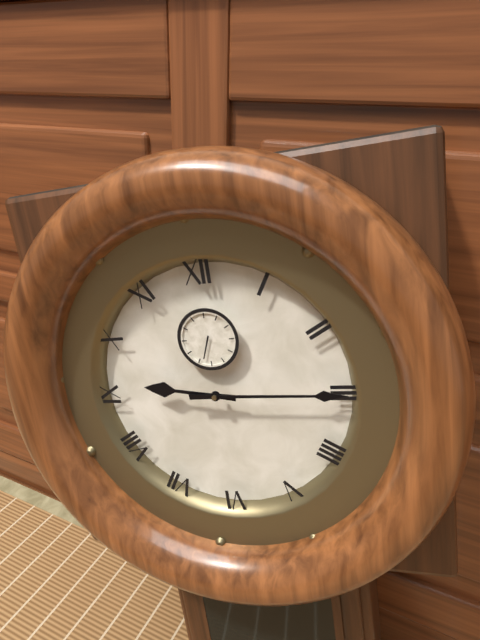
9:15
